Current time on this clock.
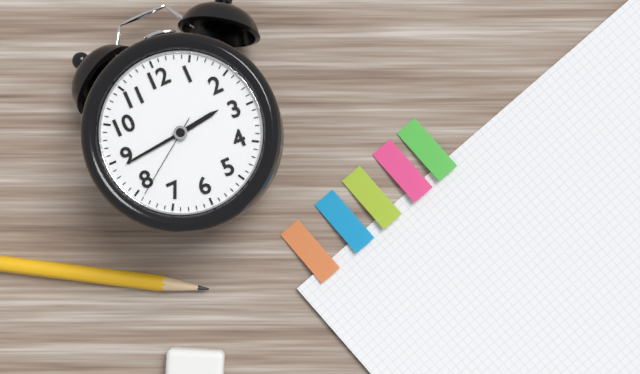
2:44:39
